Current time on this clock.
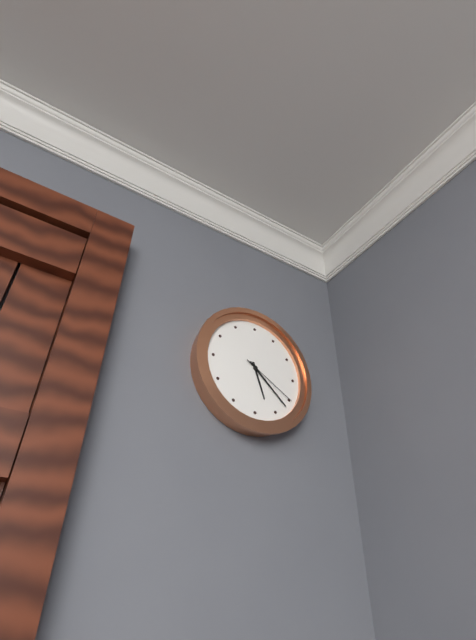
5:22:20
